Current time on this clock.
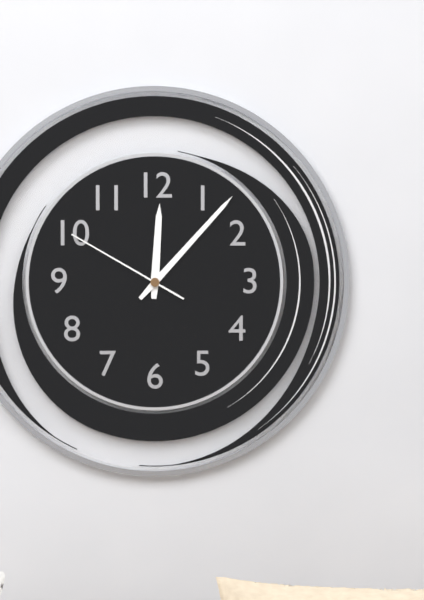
12:07:50
